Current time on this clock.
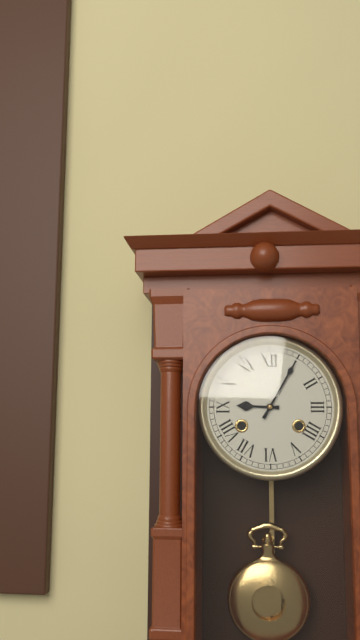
9:05
